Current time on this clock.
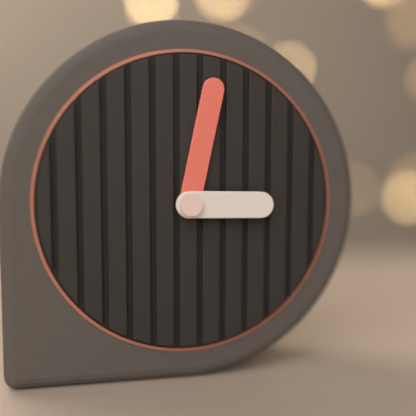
3:02
